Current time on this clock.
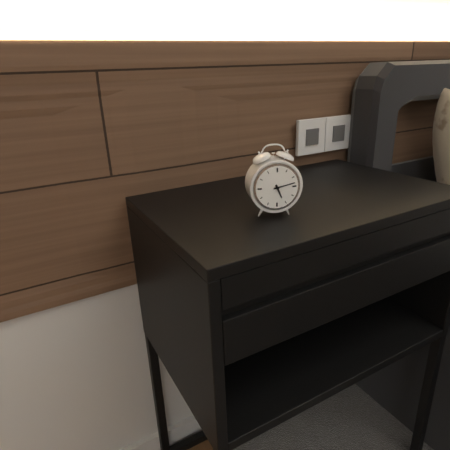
5:13
